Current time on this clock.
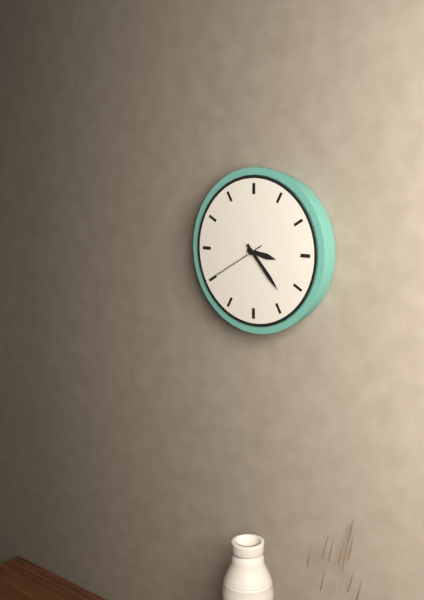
3:23:40
